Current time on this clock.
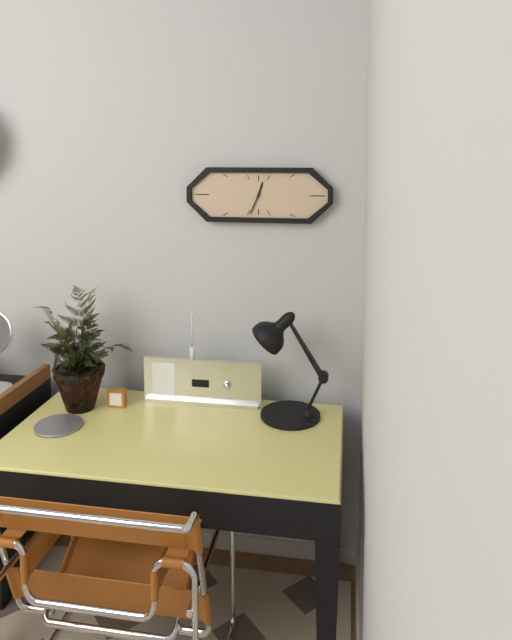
12:34
